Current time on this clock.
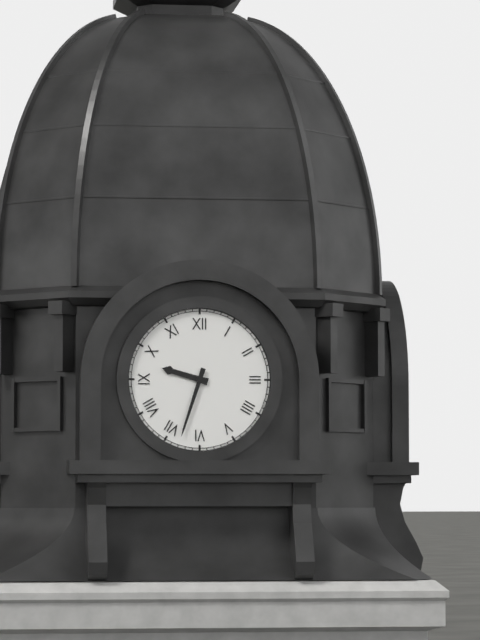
9:33
